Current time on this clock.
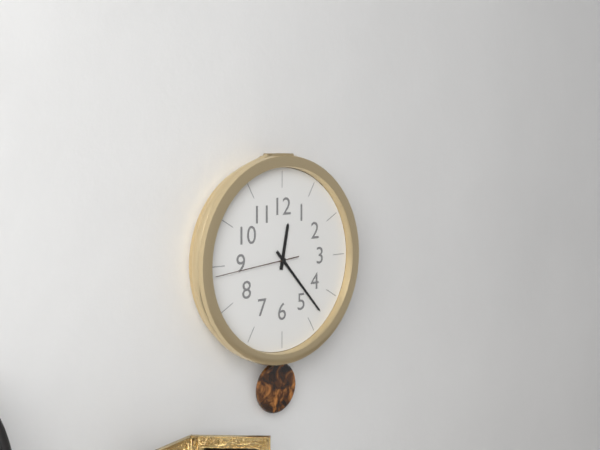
12:23:44
